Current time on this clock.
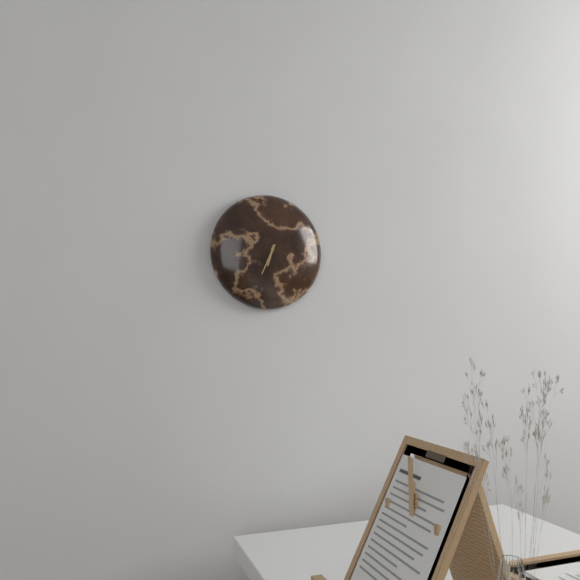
6:34
